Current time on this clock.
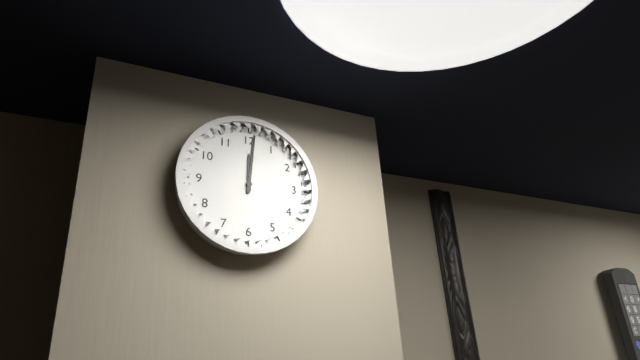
12:01
